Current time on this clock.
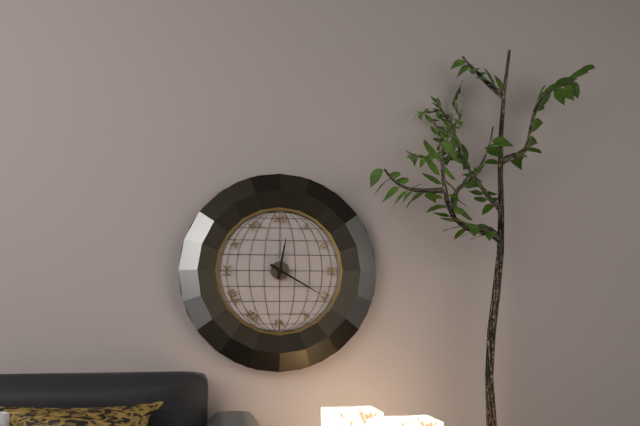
12:20
